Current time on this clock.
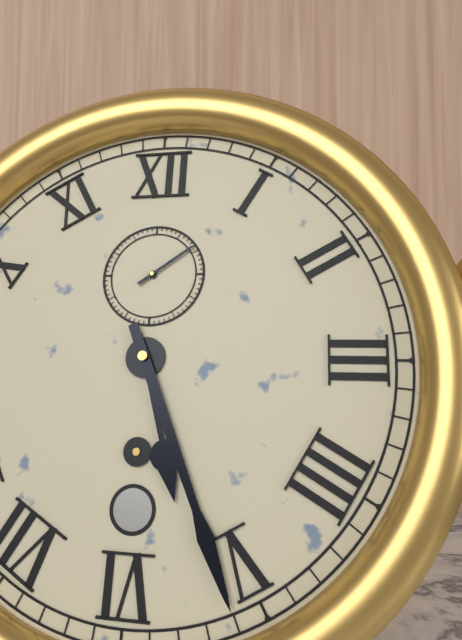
5:26:09
